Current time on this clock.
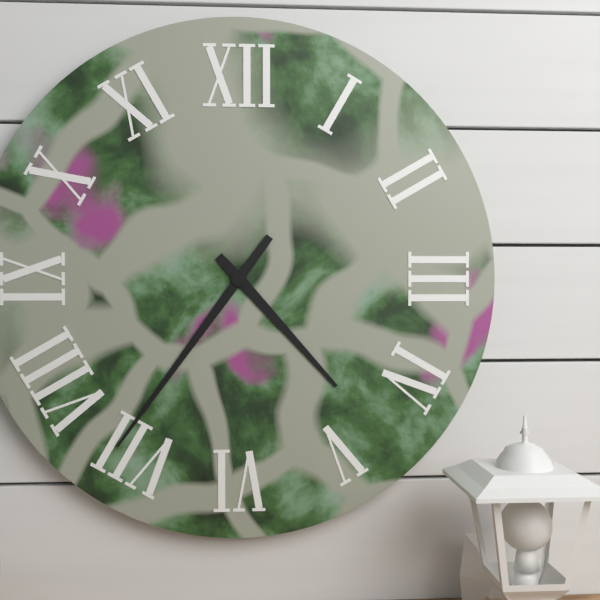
4:36
